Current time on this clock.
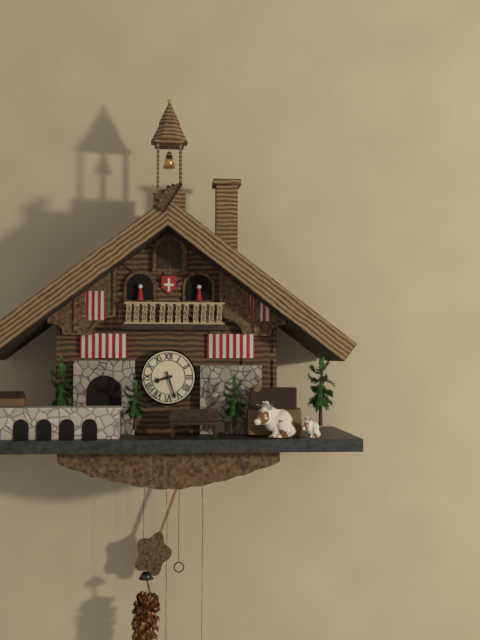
8:27
